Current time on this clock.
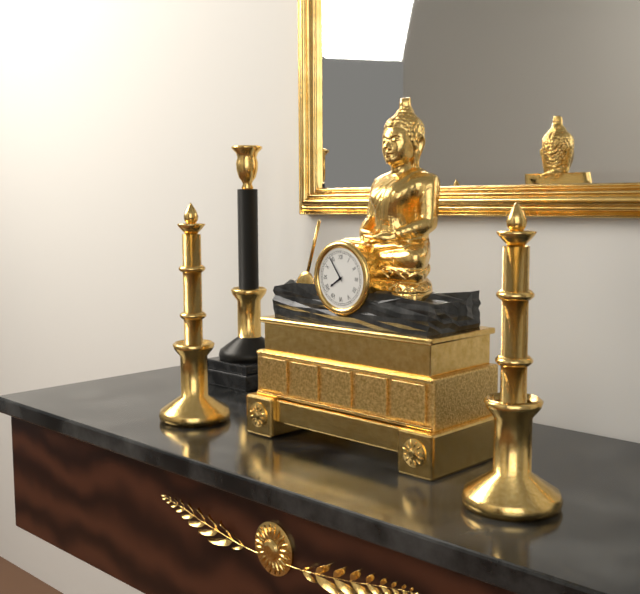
7:54
